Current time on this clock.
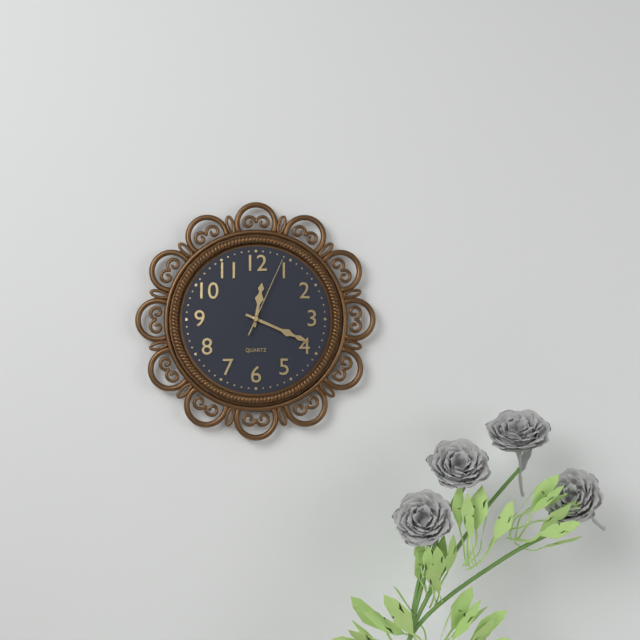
12:19:04
